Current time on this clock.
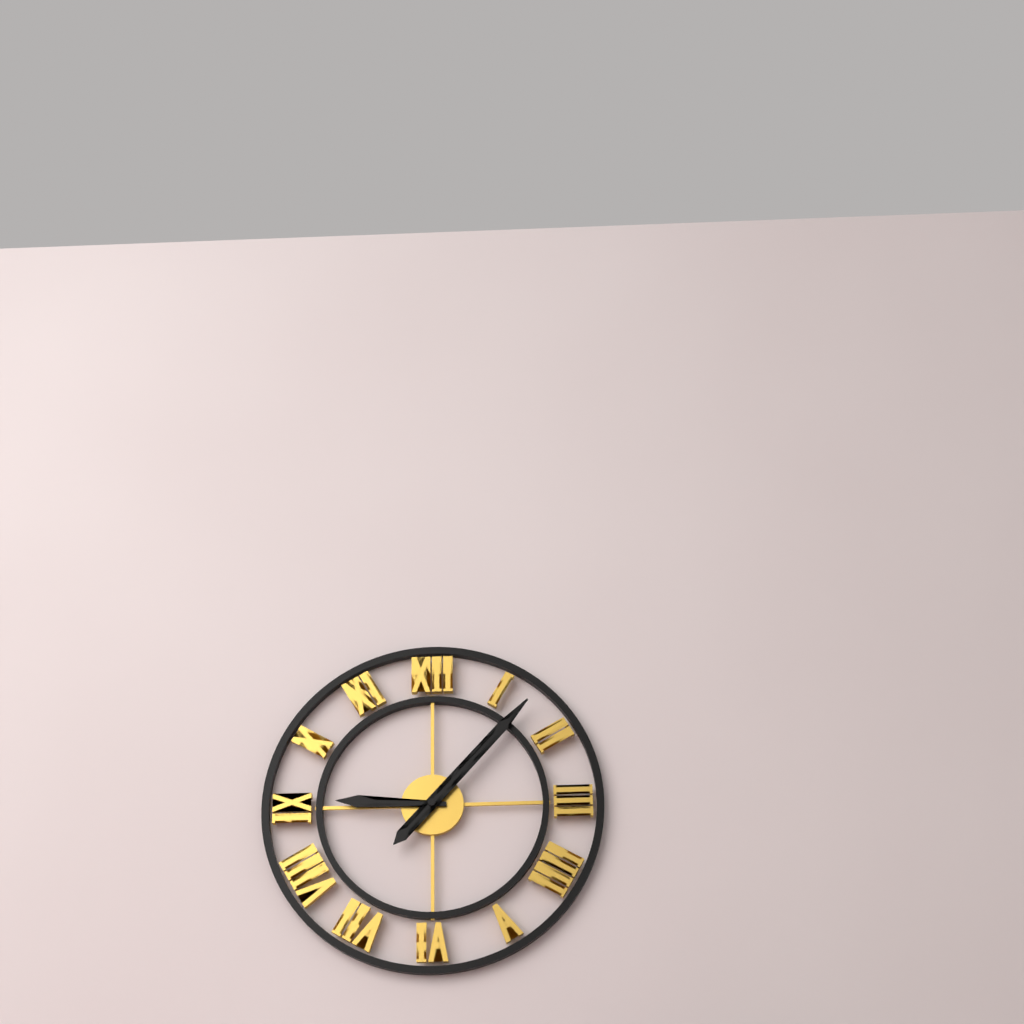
9:07
